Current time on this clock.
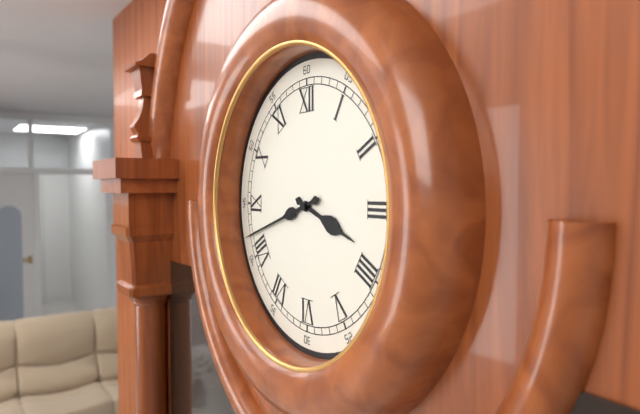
3:42
